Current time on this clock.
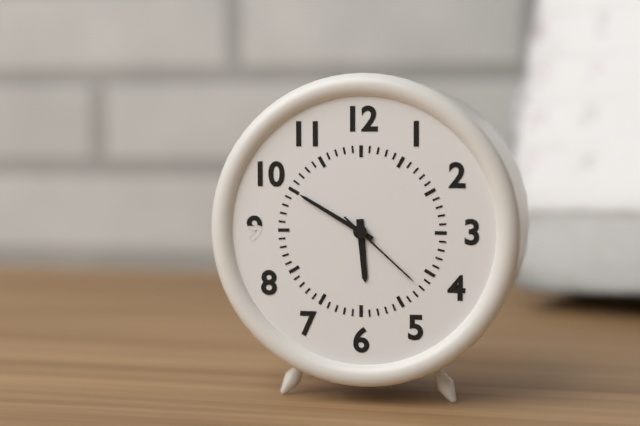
5:50:22
